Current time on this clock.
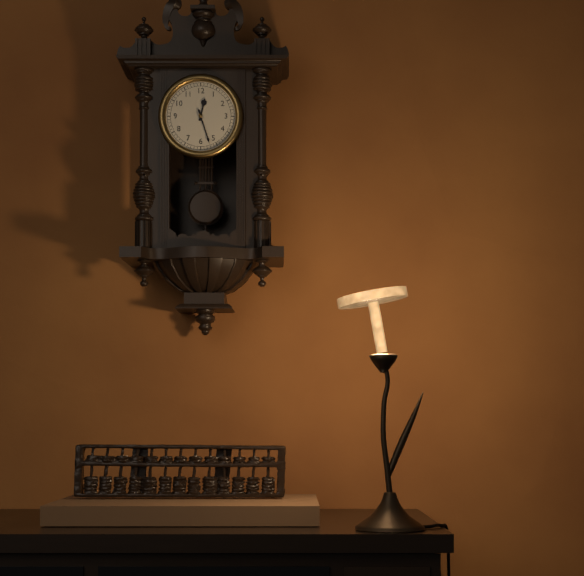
12:27
